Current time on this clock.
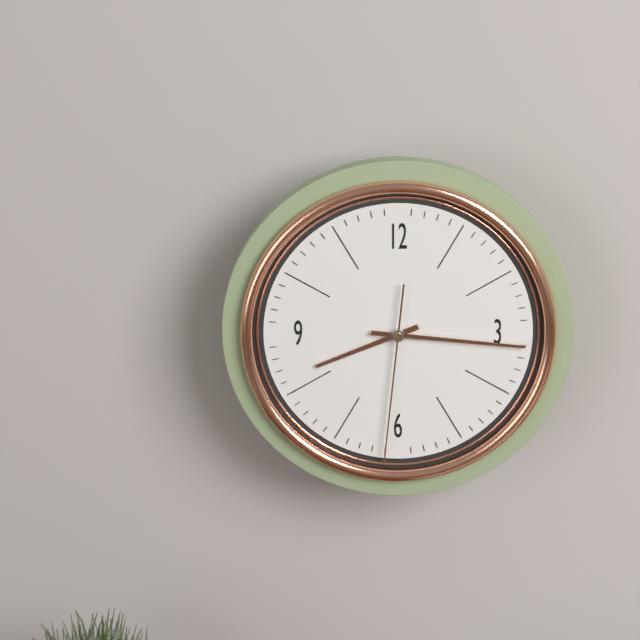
8:16:31
